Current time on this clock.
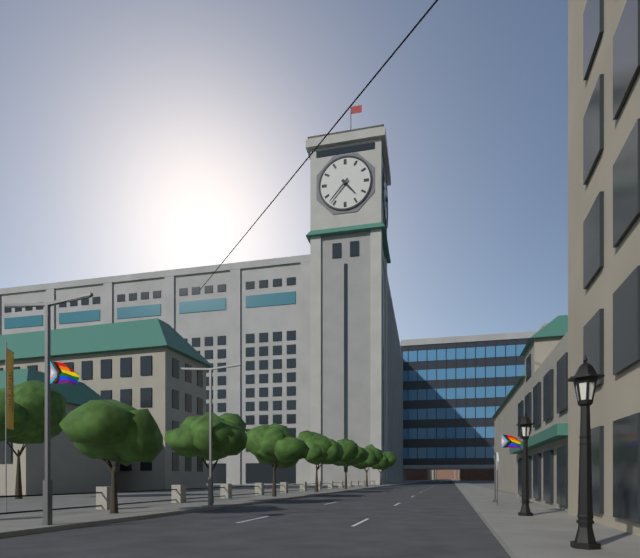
4:37
